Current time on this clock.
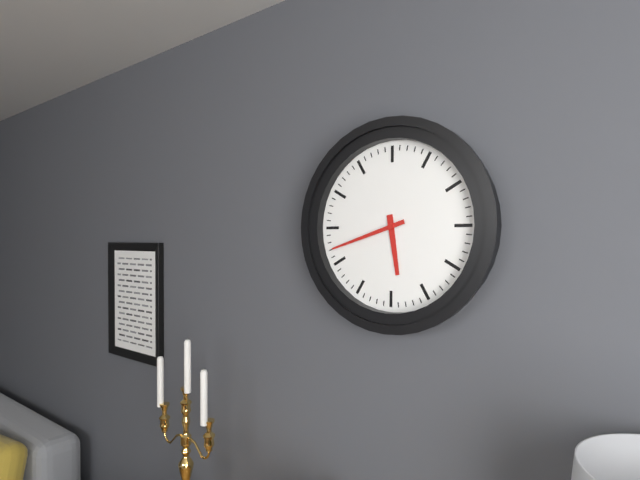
5:42
